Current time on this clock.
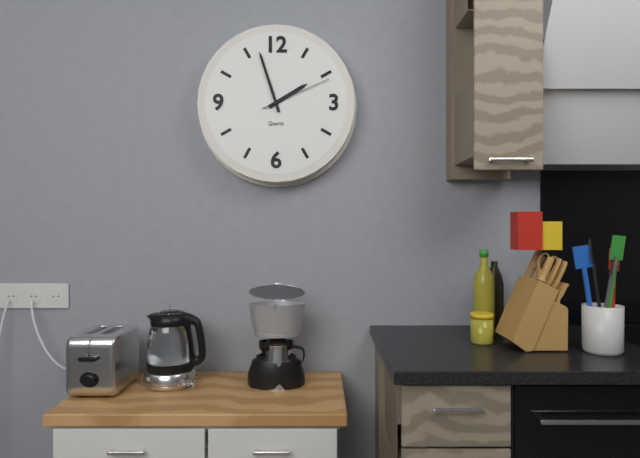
1:57:11
